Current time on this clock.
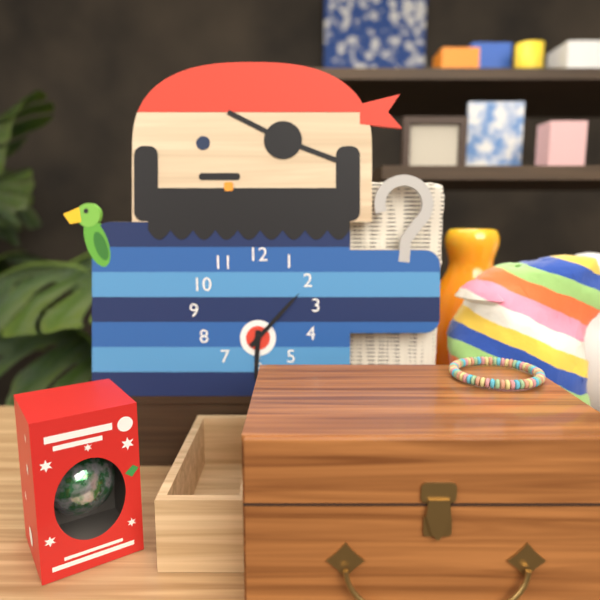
6:07
